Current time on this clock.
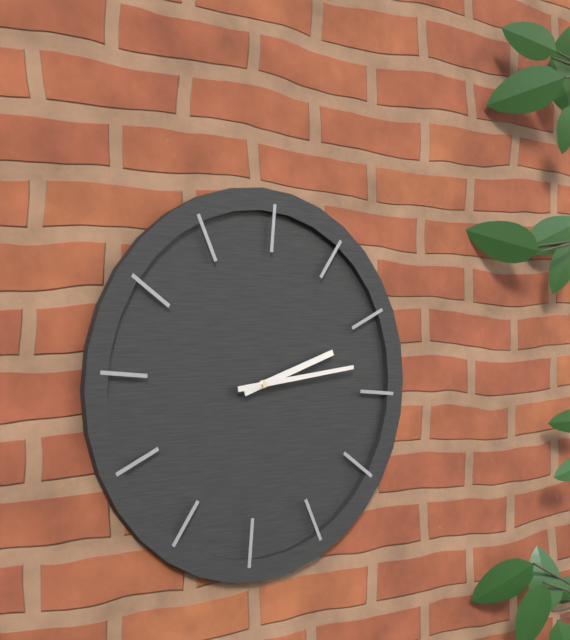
2:13
